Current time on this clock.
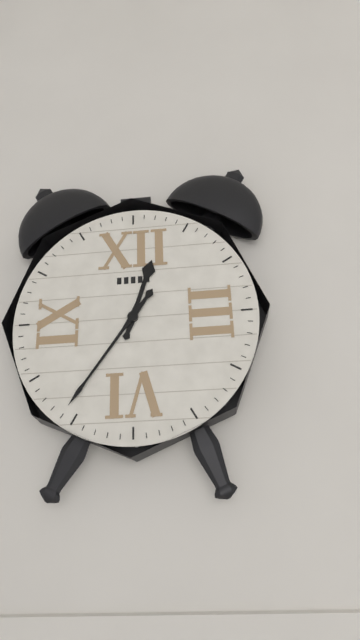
12:36
